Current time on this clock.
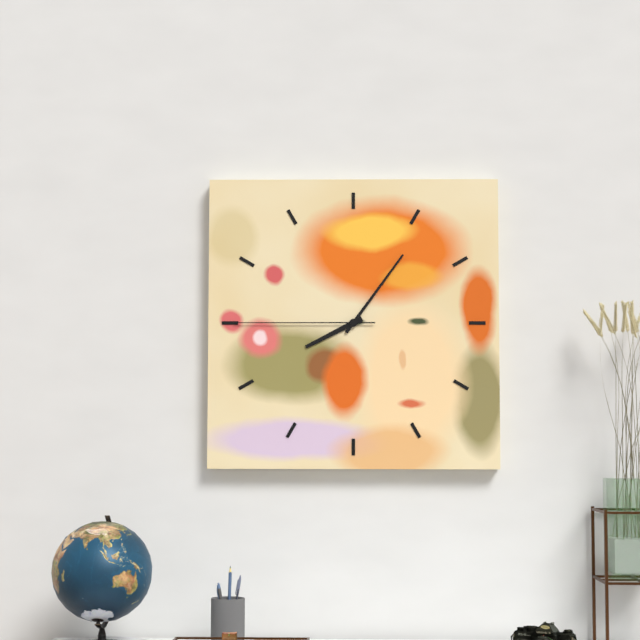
8:06:45
